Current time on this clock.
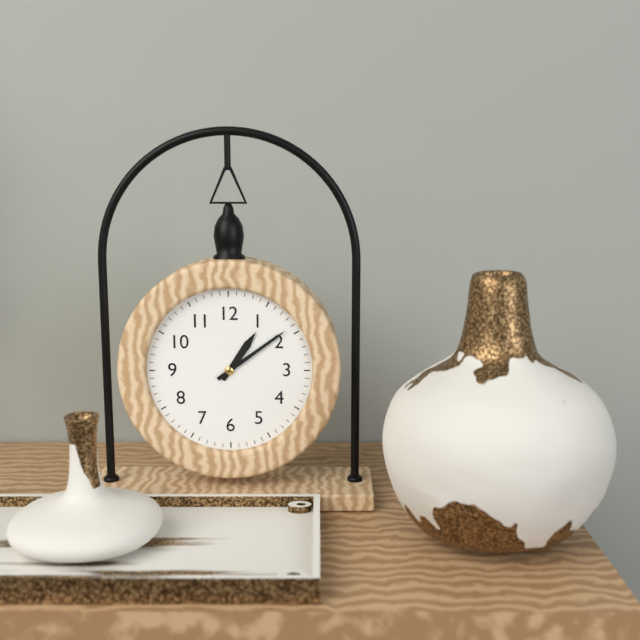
1:09
